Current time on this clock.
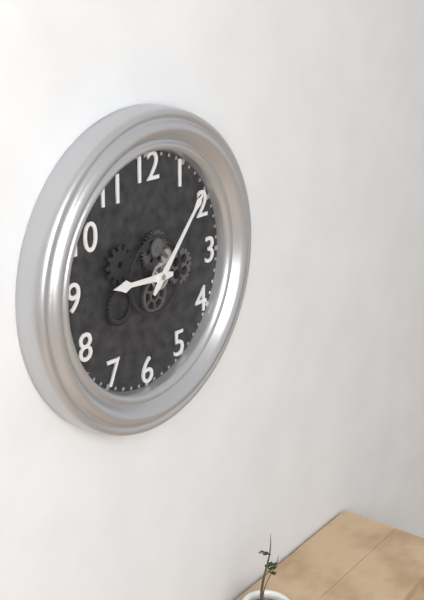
9:07
